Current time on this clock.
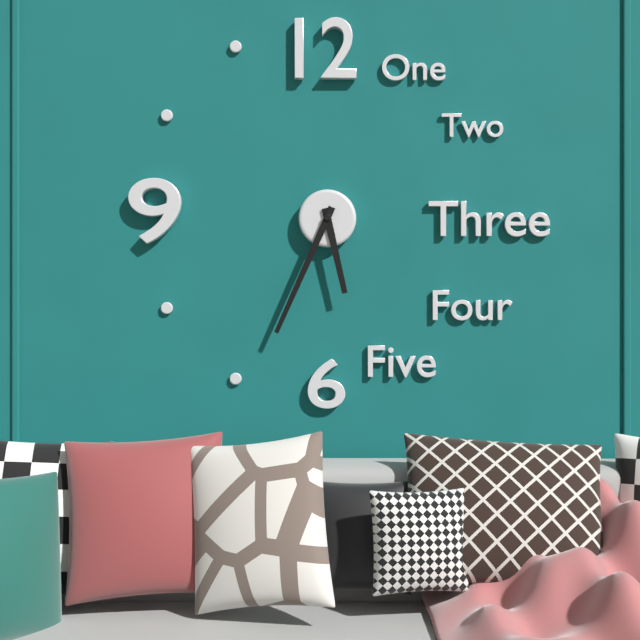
5:34
